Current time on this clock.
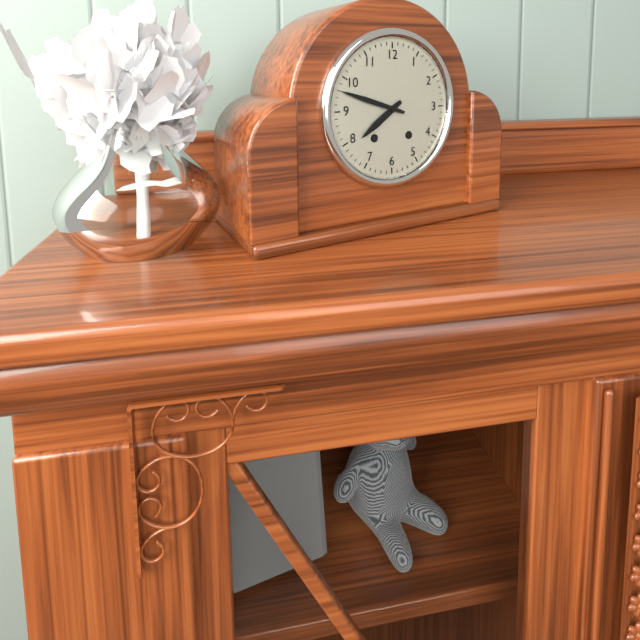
7:48
